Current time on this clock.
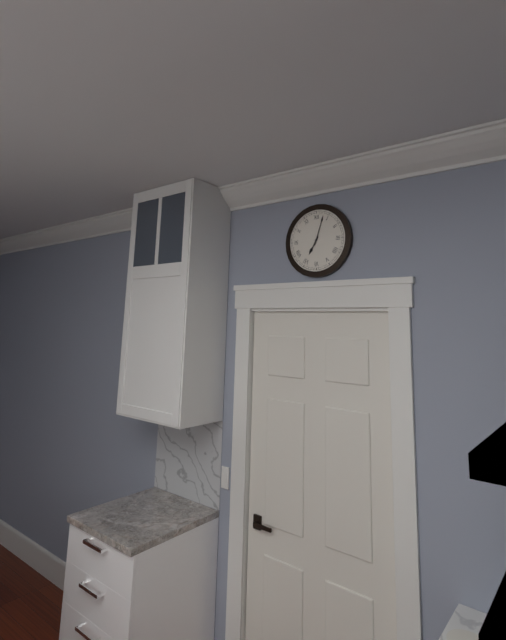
7:03
